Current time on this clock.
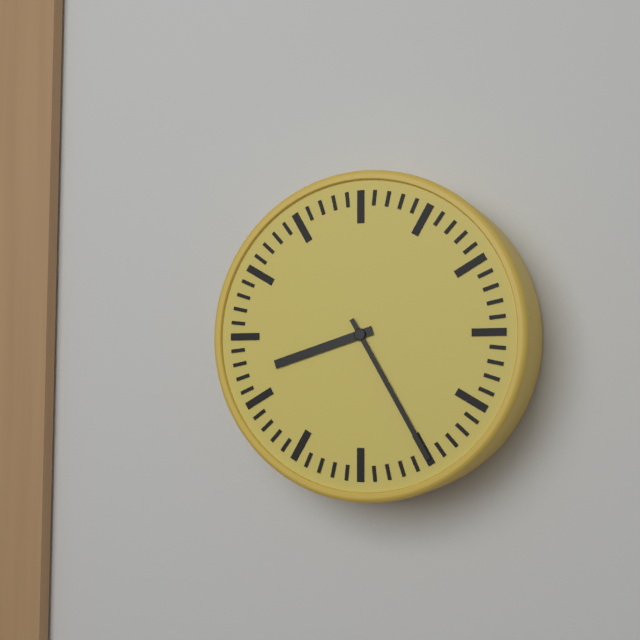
8:25
